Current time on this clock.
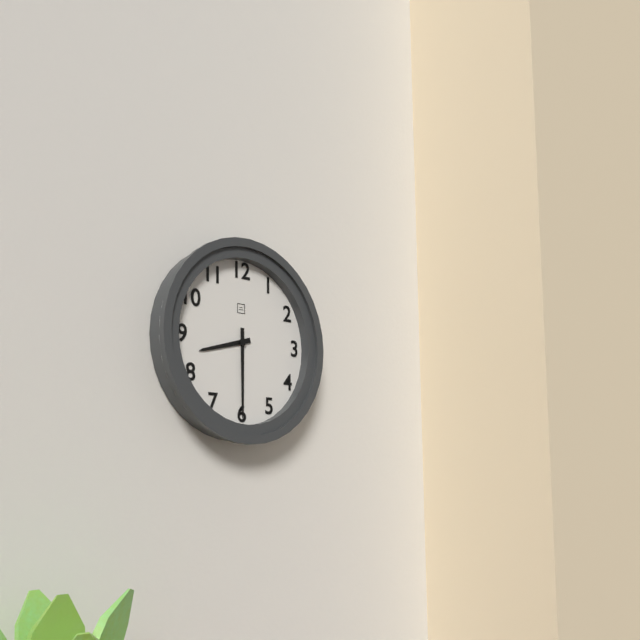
8:30
